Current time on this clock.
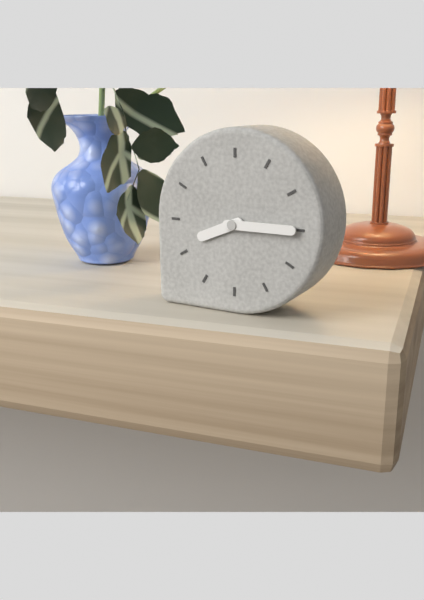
8:15
